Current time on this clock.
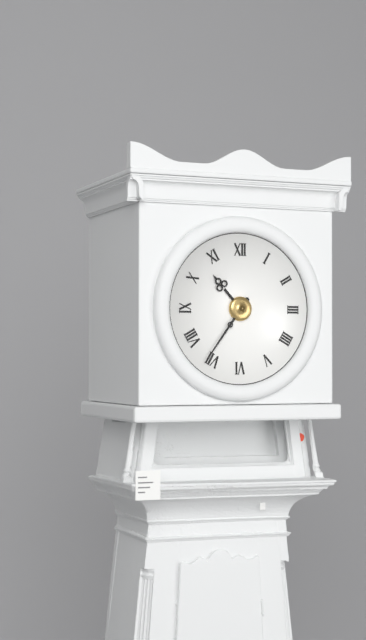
10:36
